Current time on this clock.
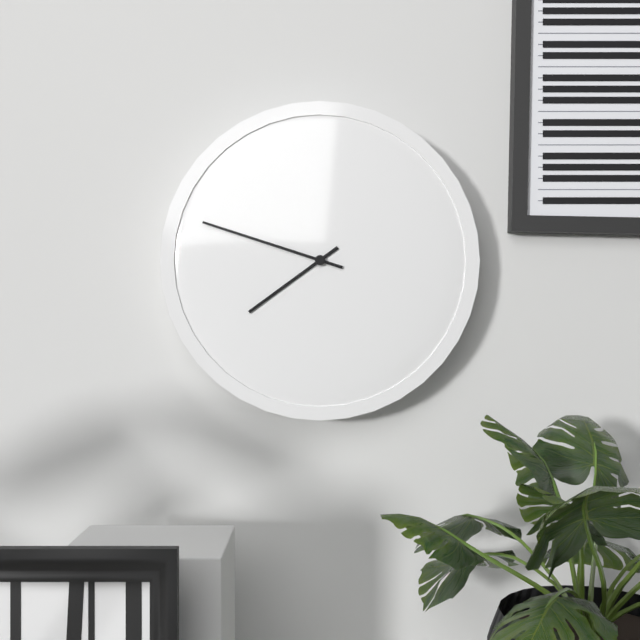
7:48
